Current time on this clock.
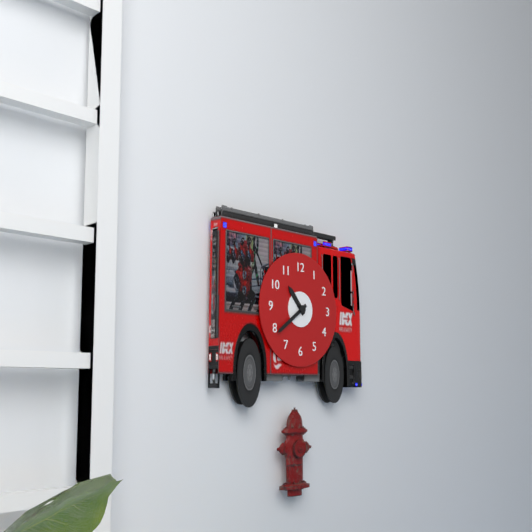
10:39
